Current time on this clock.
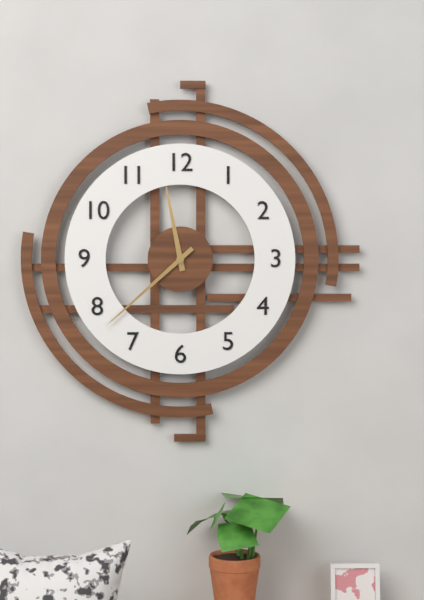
11:38
